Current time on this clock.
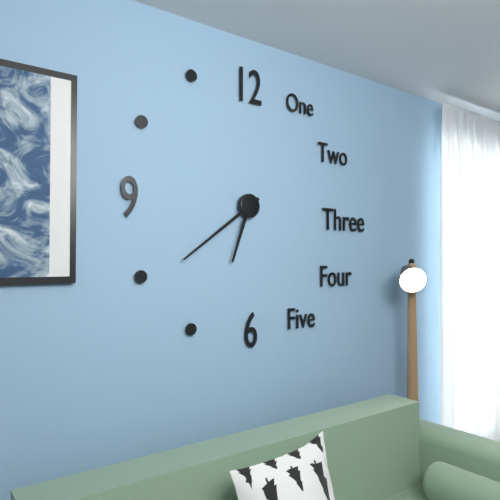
6:39
